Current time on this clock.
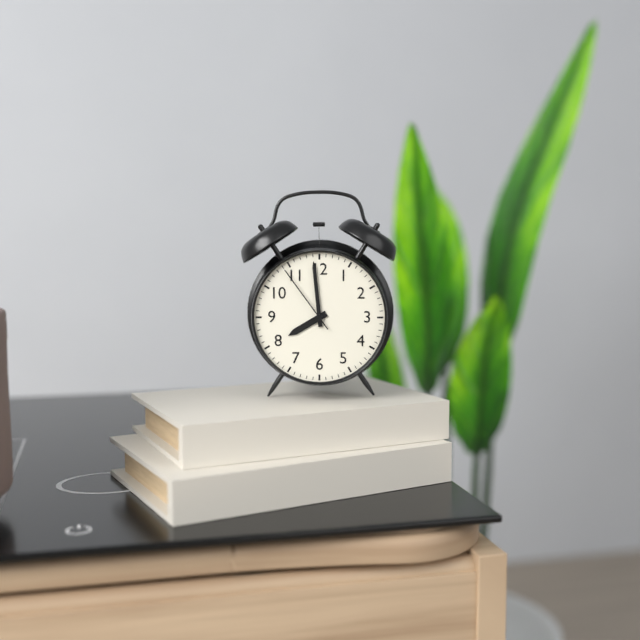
7:59:54
